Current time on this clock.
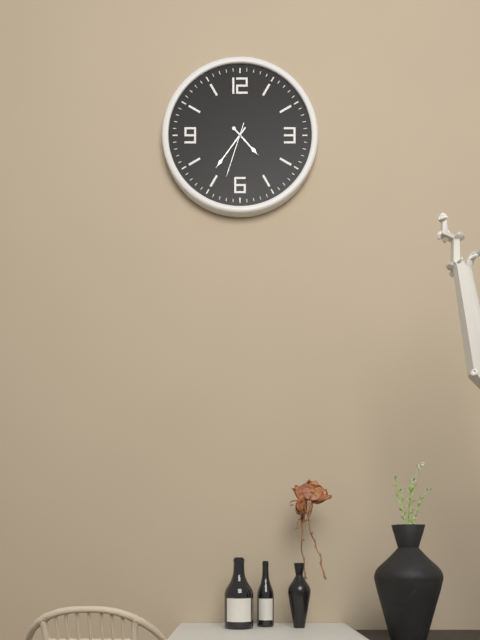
4:36:33
